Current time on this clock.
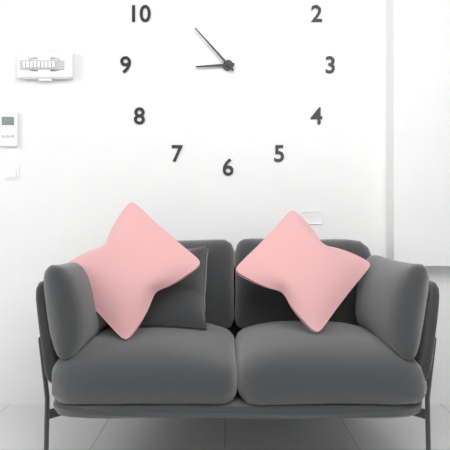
8:53
